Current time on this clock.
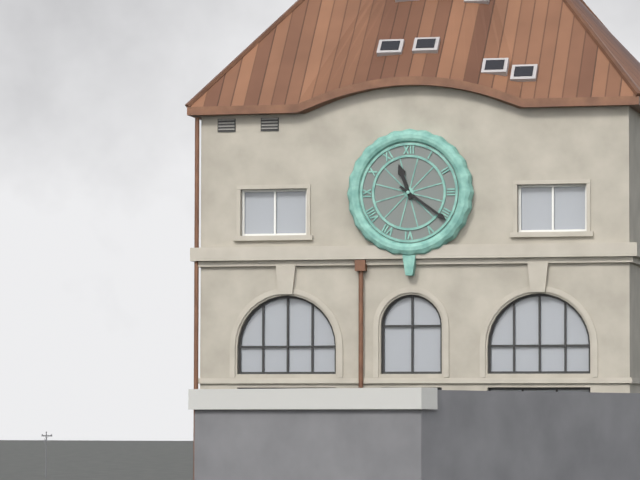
11:21
